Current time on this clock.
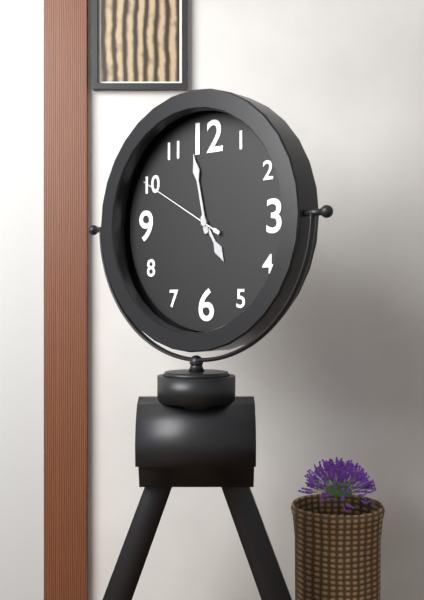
4:58:50
